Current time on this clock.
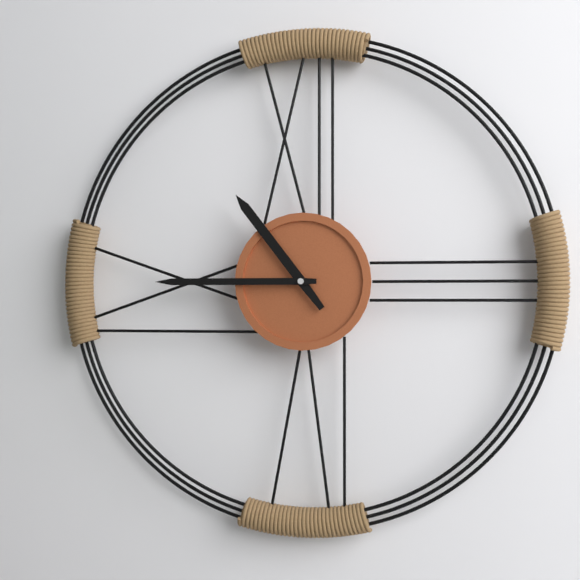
10:45
